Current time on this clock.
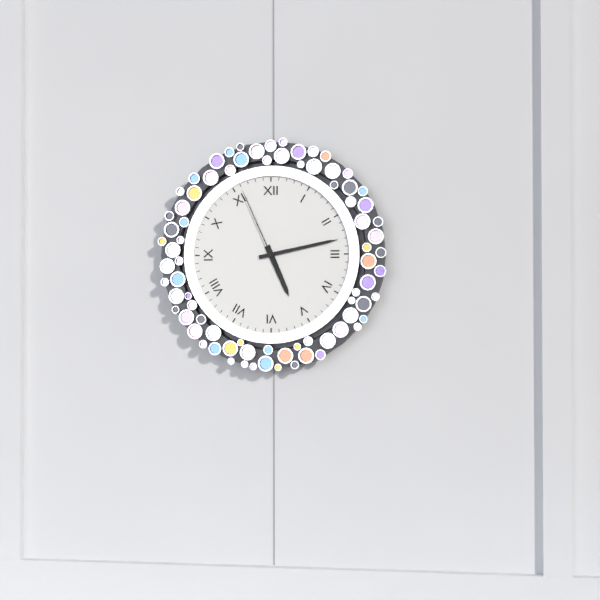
5:13:56
